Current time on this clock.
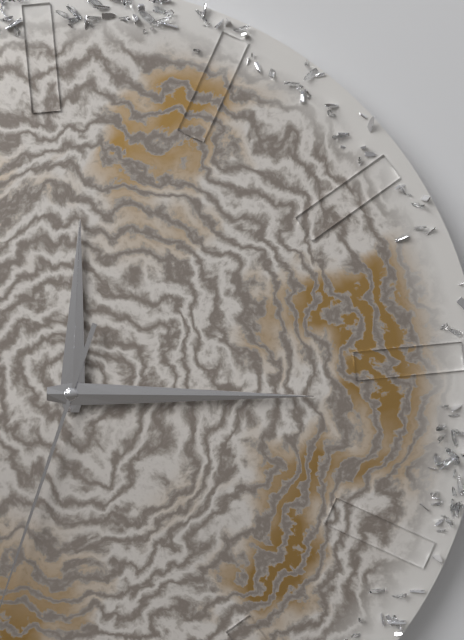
12:16
